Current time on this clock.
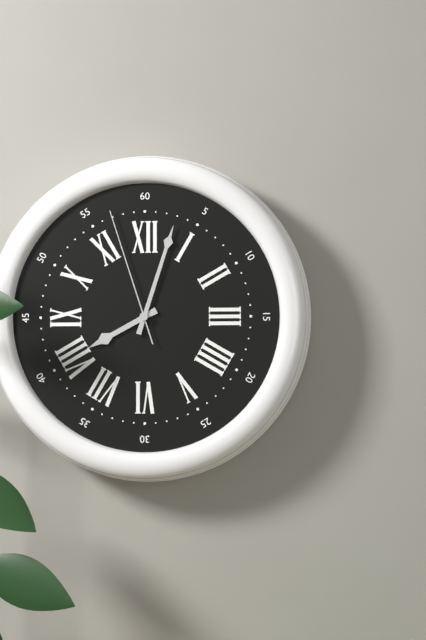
8:03:57
